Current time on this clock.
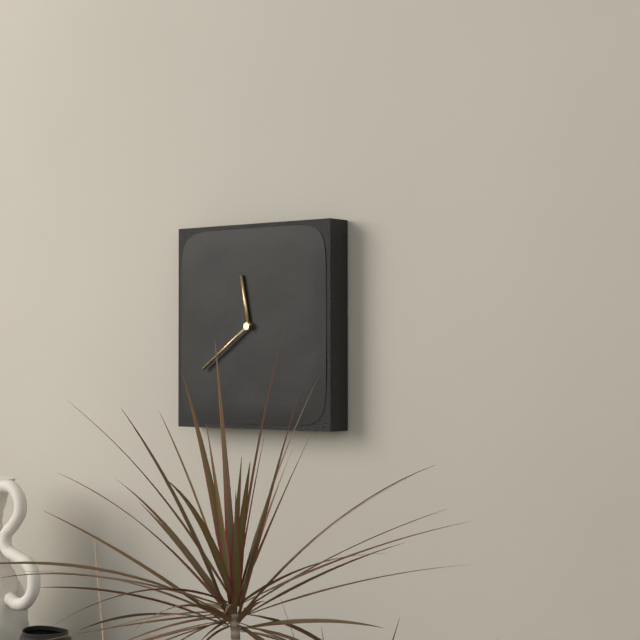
11:39
